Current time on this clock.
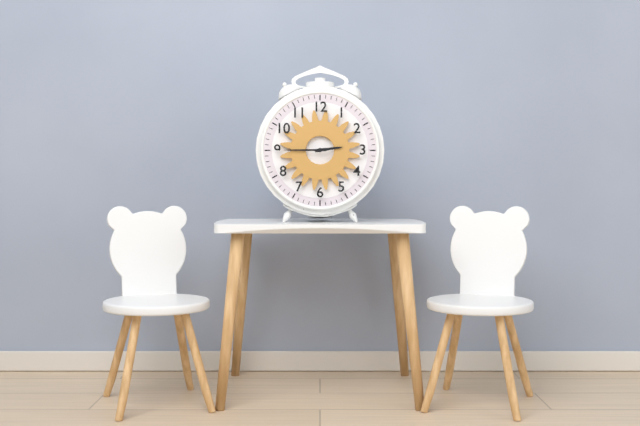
2:45
